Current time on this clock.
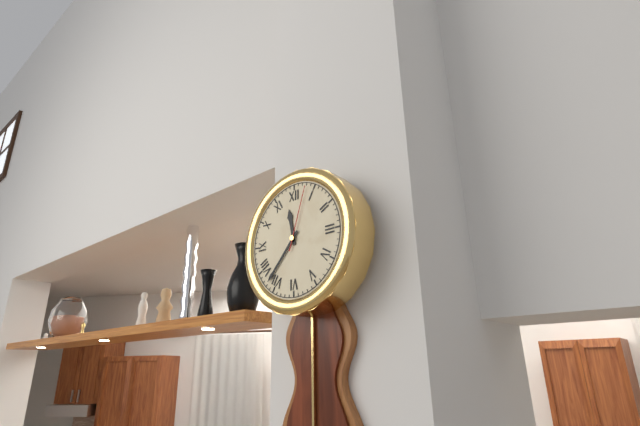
11:37:03
